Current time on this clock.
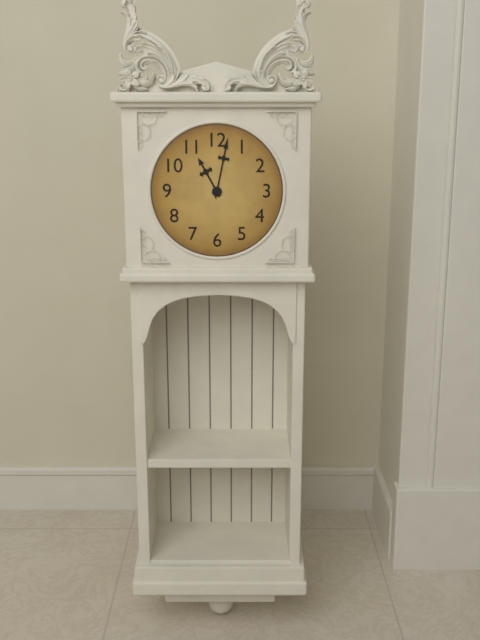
11:02
